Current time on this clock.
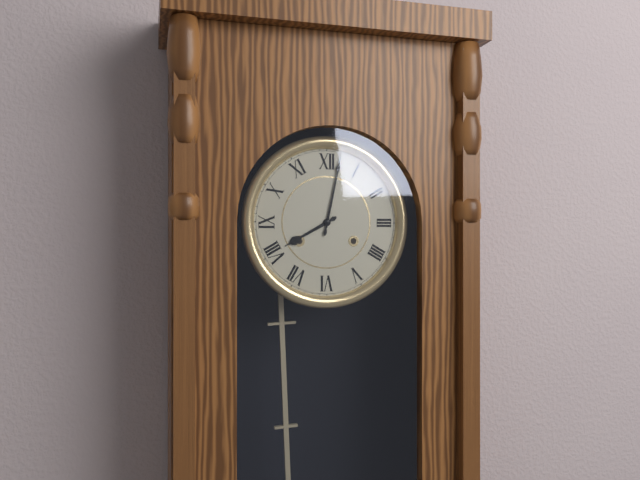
8:02
